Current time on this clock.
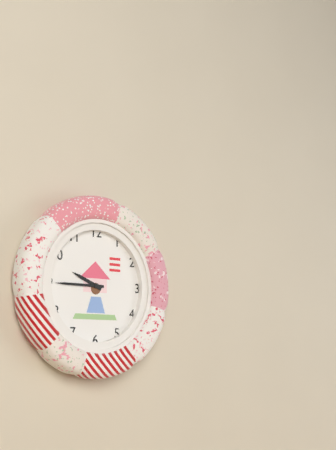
9:45
